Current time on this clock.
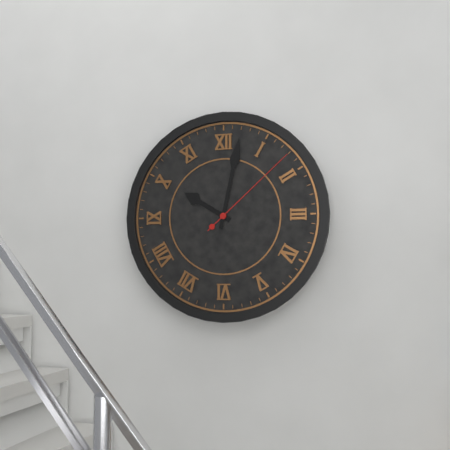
10:02:08
